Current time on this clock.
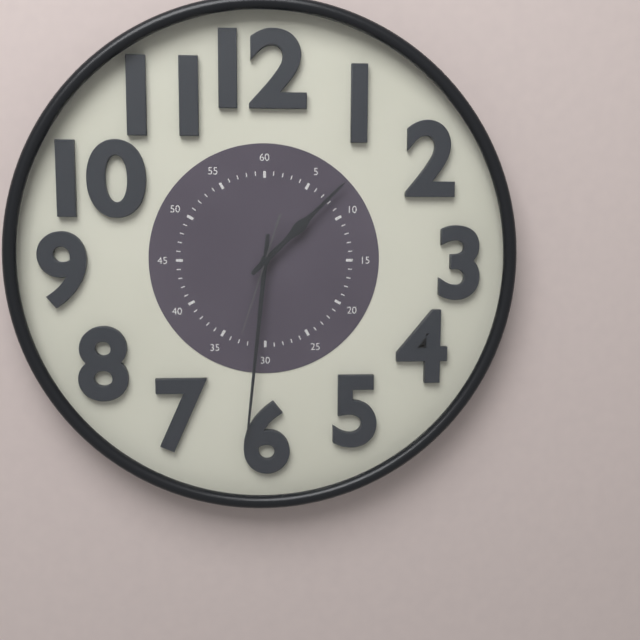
1:31:33
